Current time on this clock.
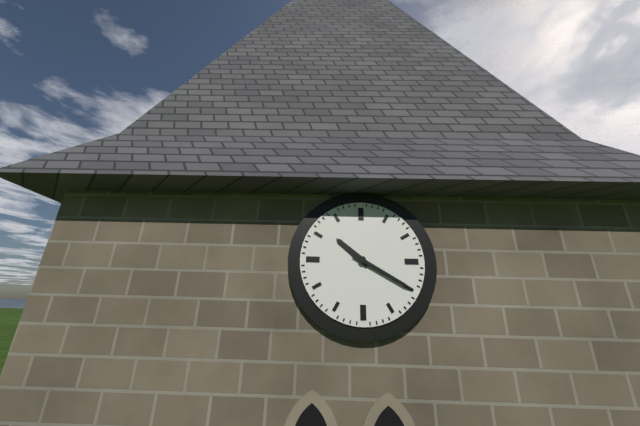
10:20
